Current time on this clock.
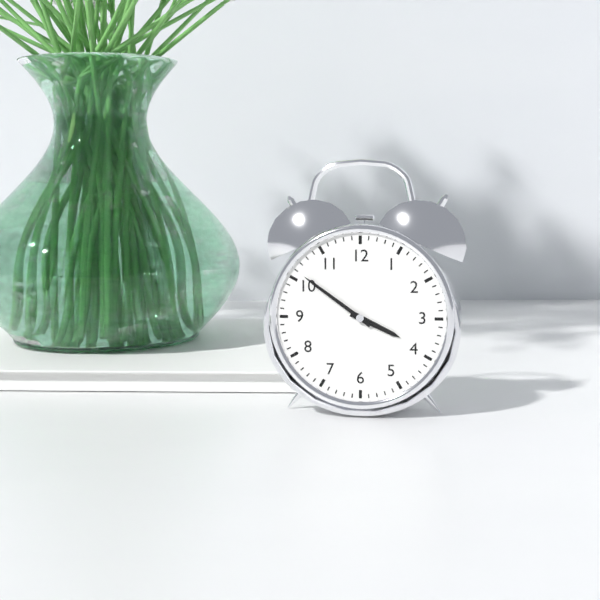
3:51
